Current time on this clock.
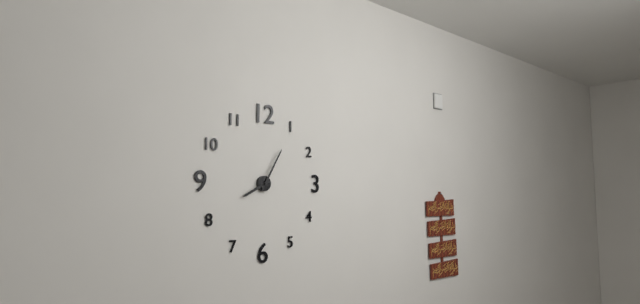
8:05
